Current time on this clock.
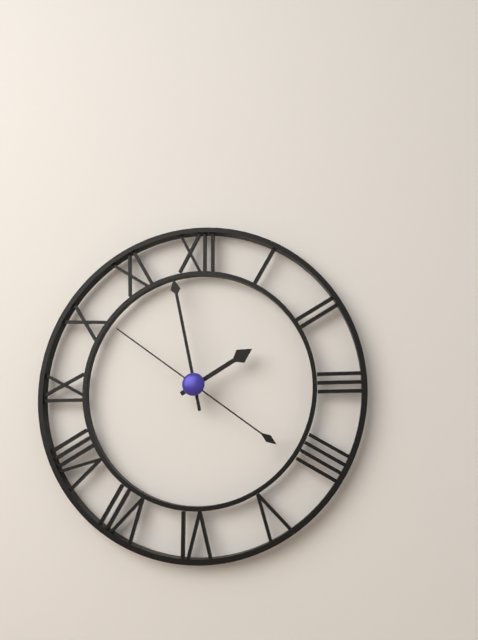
1:58:51
